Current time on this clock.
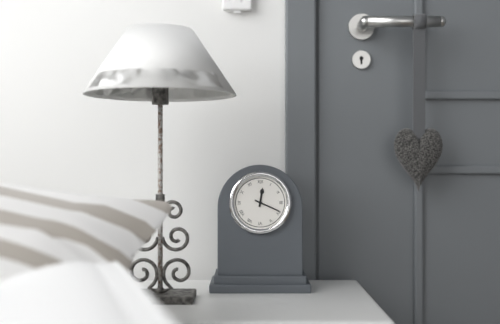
12:19
